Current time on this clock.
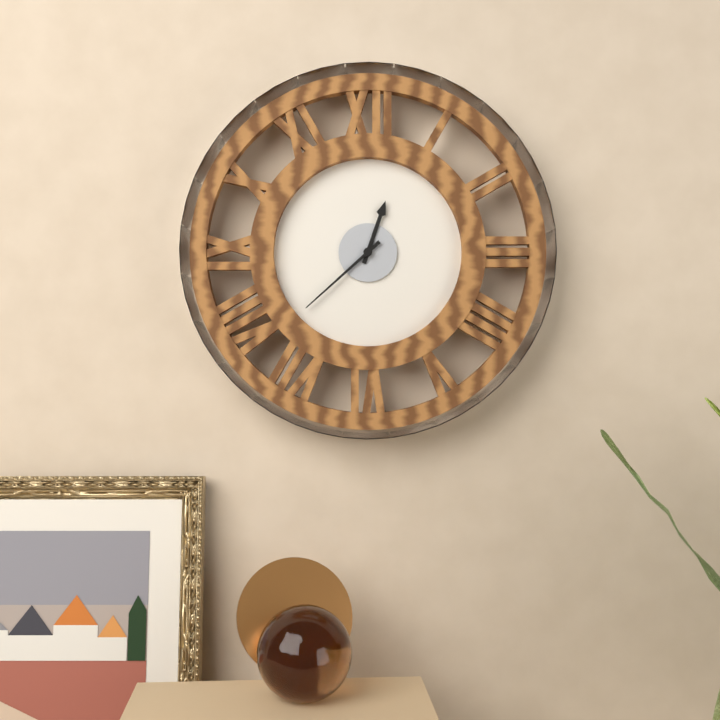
12:38
